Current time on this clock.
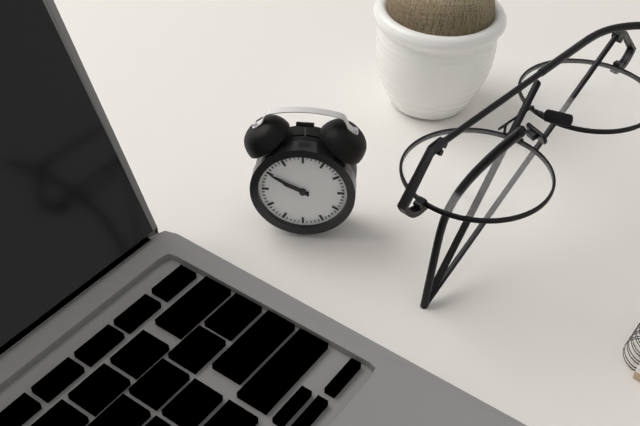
9:50
